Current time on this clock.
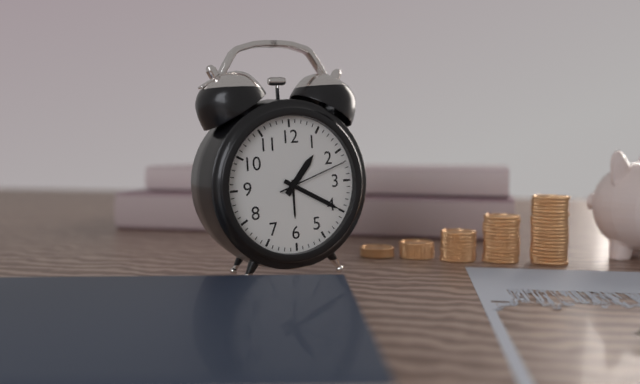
1:20:12
